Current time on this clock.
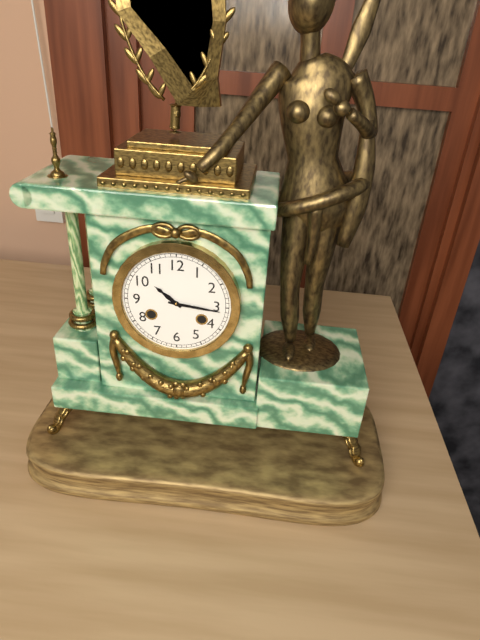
10:16
